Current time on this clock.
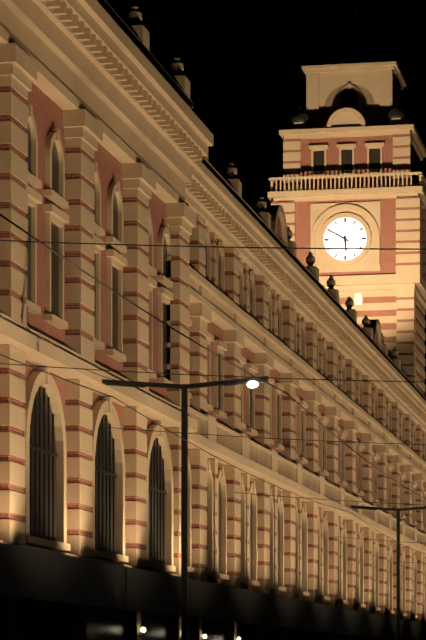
5:50
